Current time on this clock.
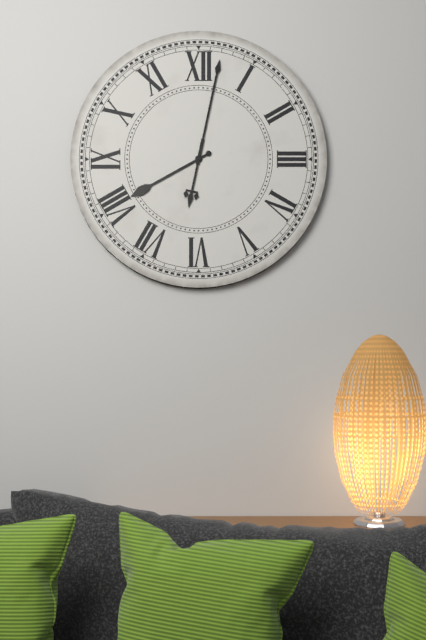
8:02
